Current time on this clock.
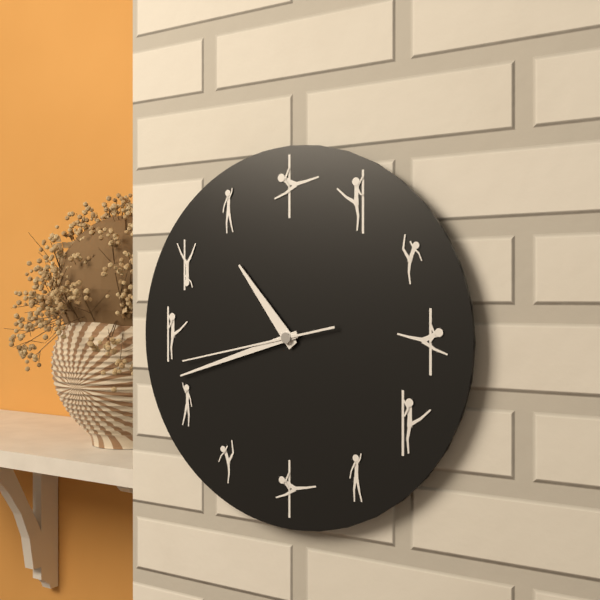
10:42:43
